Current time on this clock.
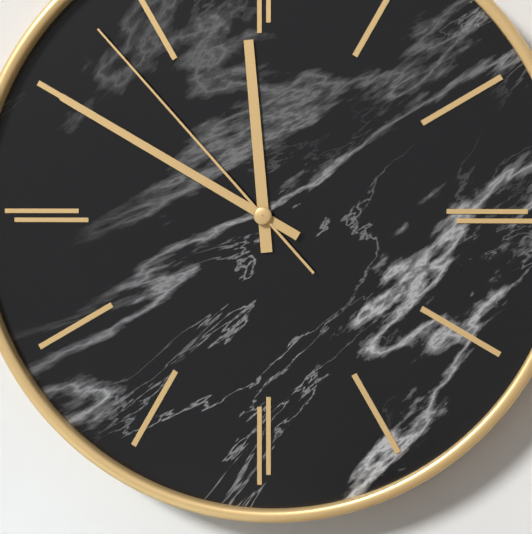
11:50:53
